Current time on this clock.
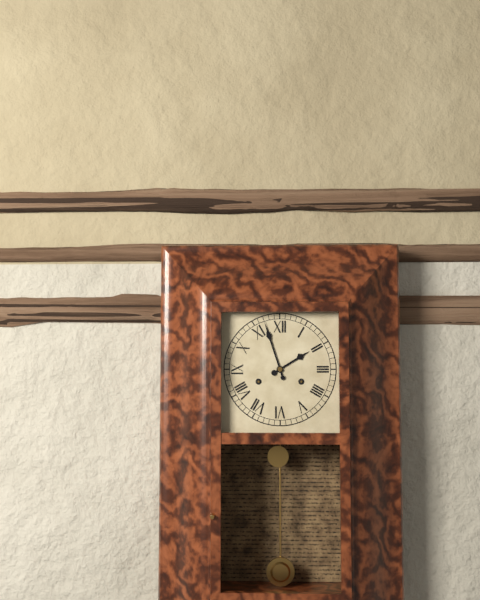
1:57
